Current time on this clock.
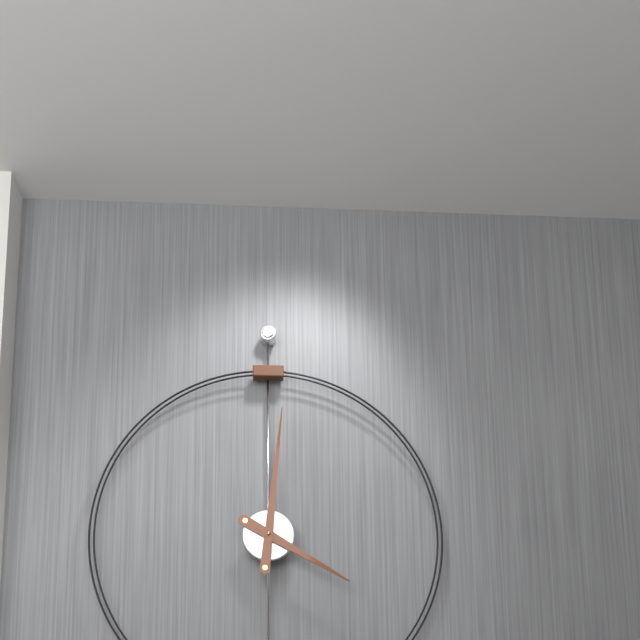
4:01
